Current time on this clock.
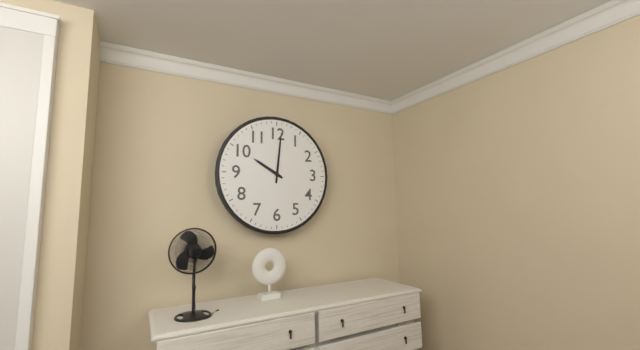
10:01
